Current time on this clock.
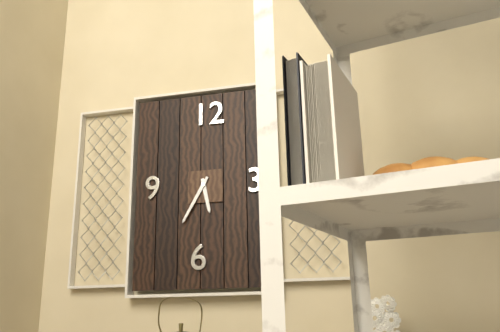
5:35
